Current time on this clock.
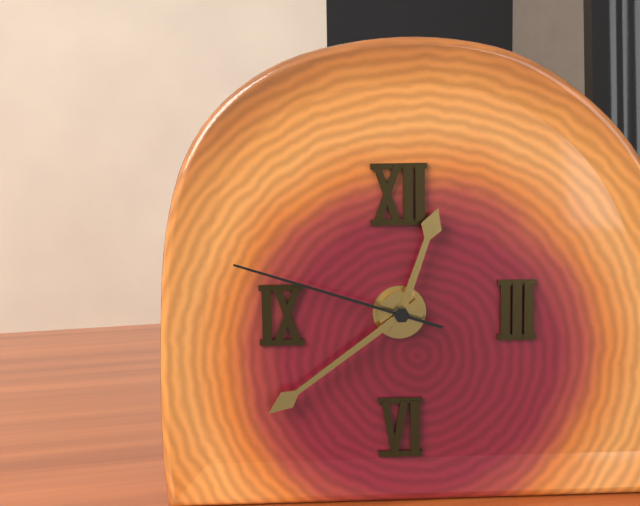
12:39:48
